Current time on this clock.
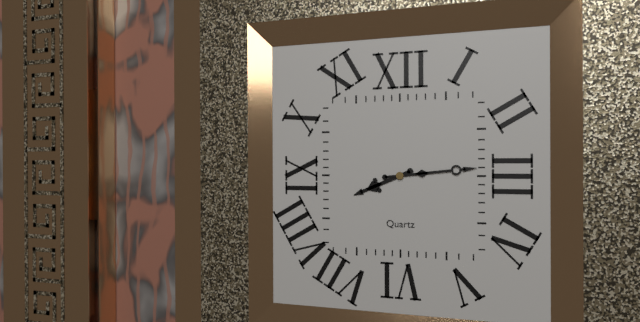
8:14
